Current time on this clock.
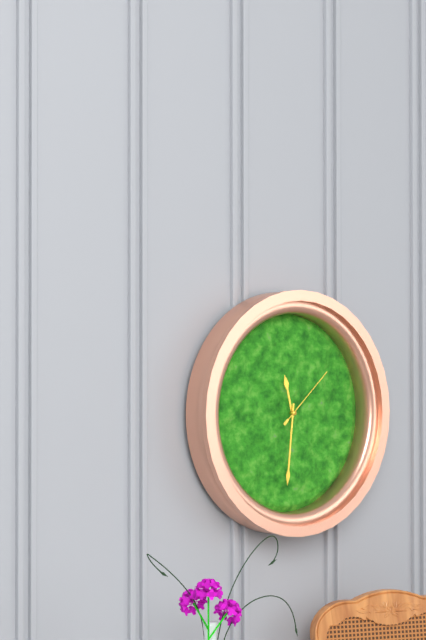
11:31:08
